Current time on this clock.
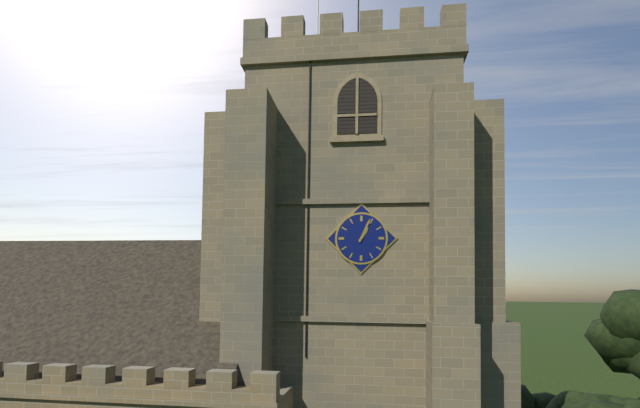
1:04
